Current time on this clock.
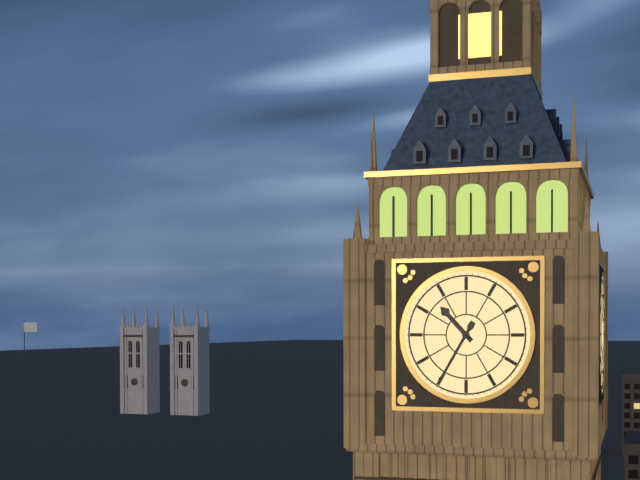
10:35
